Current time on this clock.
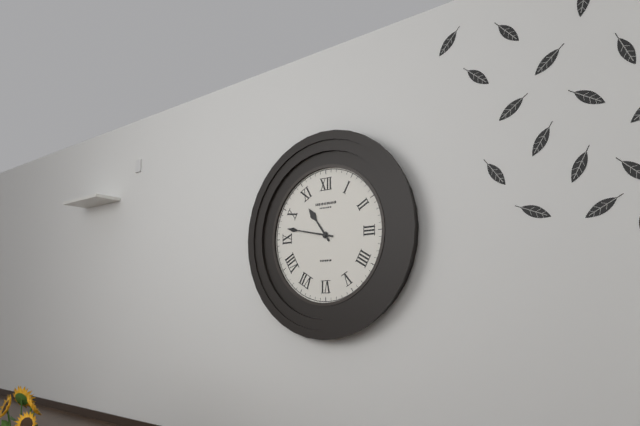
10:47
